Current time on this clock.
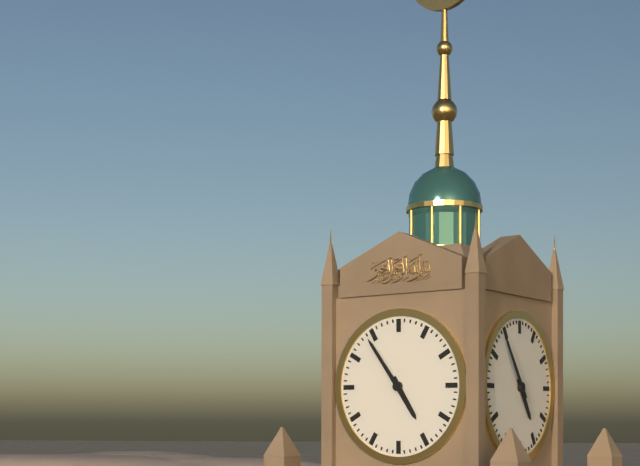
4:54
